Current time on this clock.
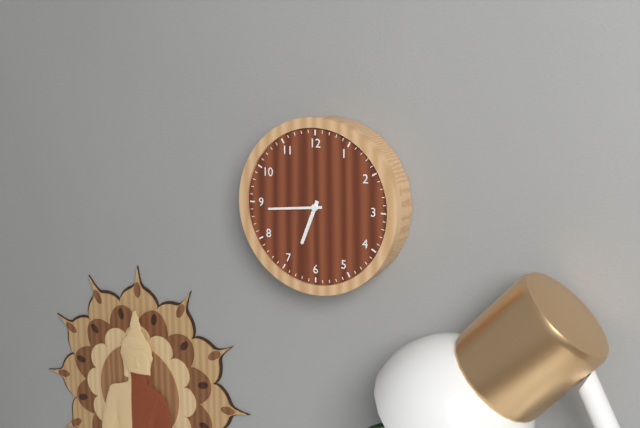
6:44
